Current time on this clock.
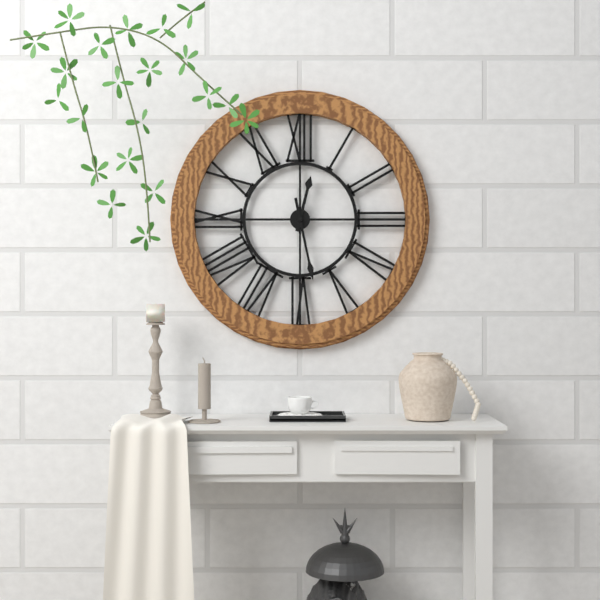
12:28
